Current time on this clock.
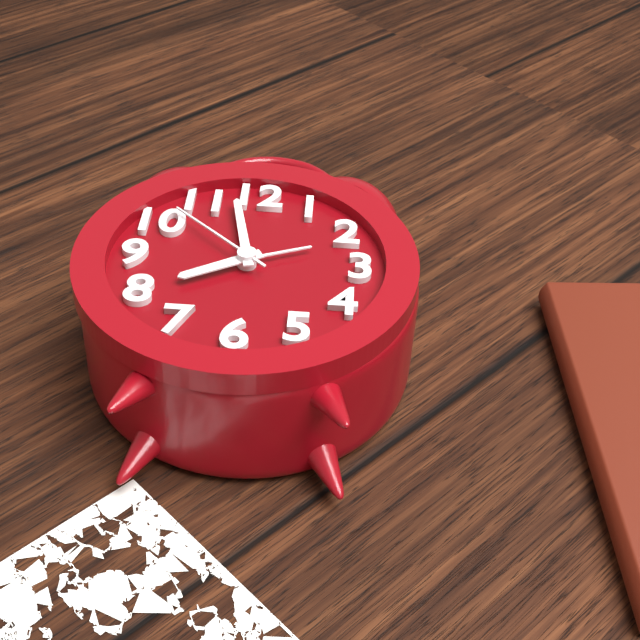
7:58:52
